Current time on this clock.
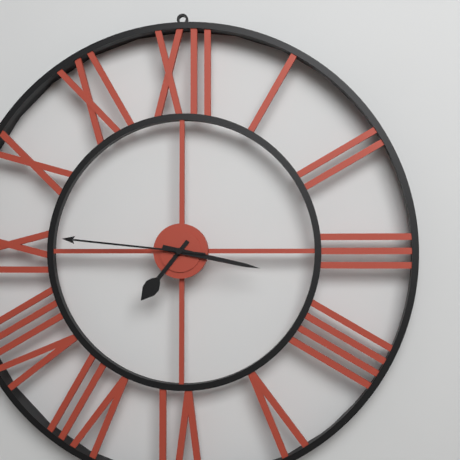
7:17:46
